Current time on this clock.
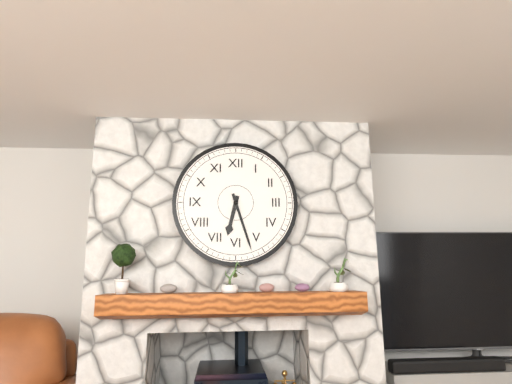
6:27
